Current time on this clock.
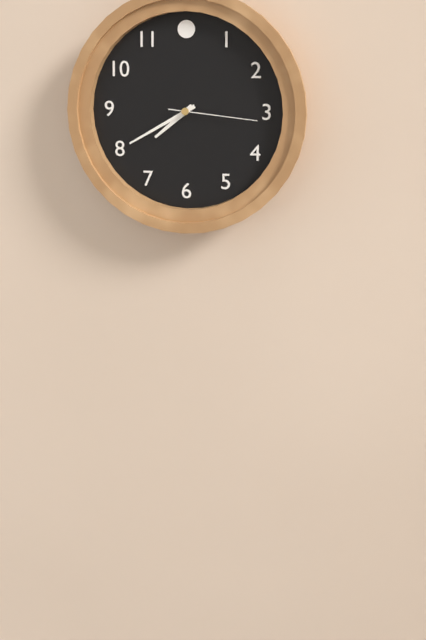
7:40:16
